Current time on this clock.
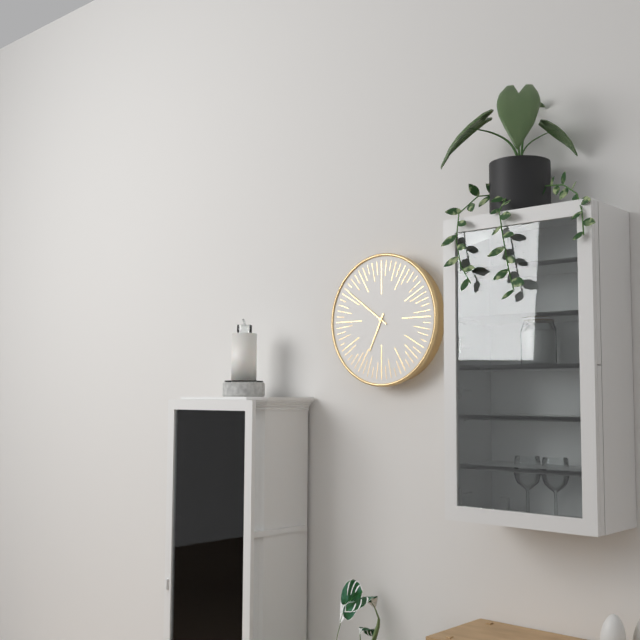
6:51
